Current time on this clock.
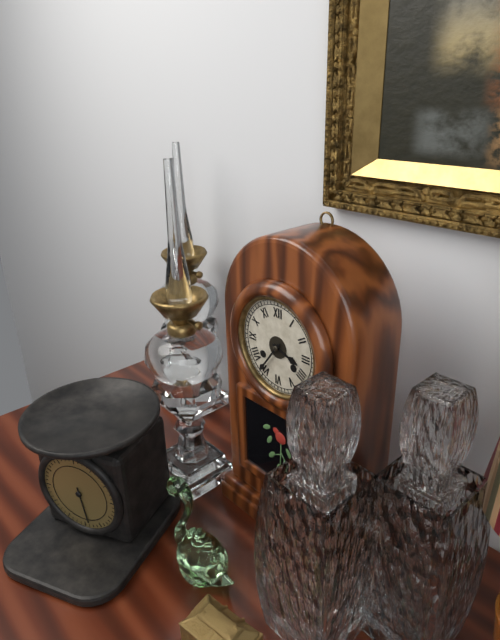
3:36
